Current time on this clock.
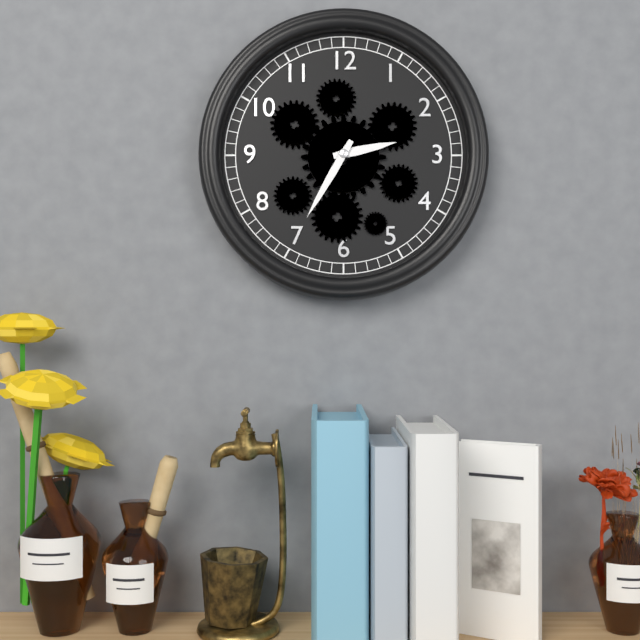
2:35
